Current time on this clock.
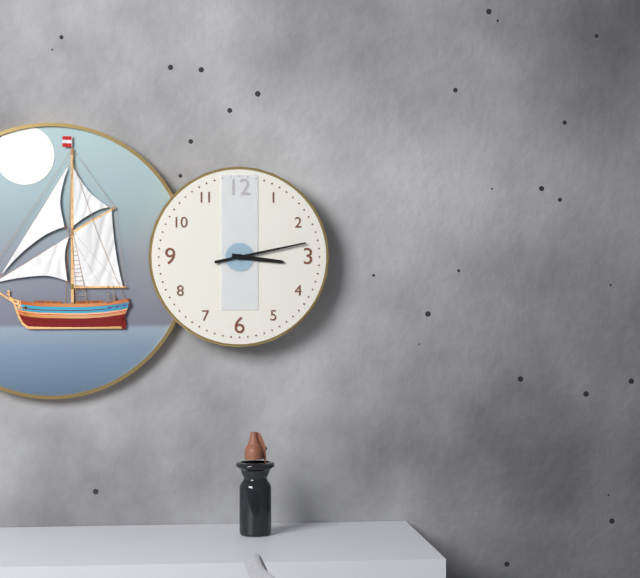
3:13
